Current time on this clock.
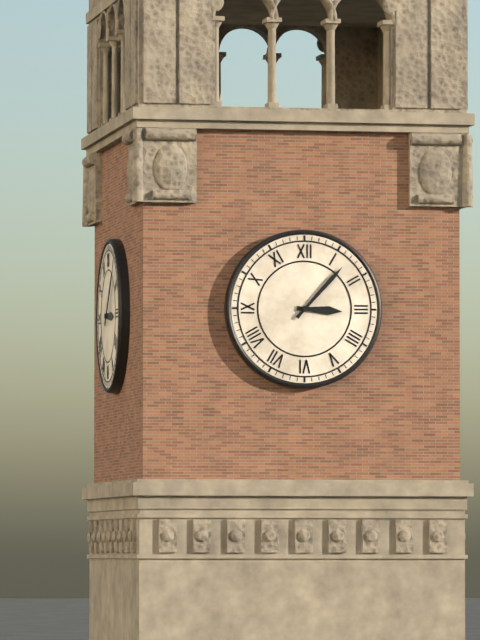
3:07
